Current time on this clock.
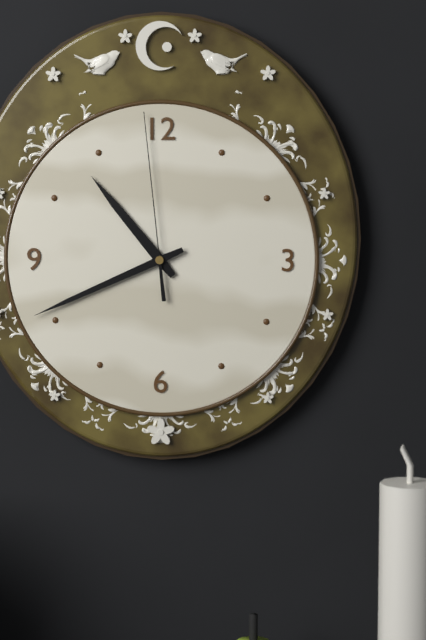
10:41:59
